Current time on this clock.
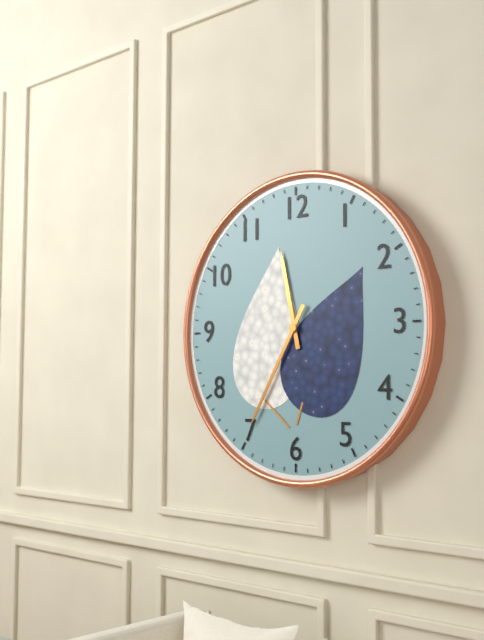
11:35
